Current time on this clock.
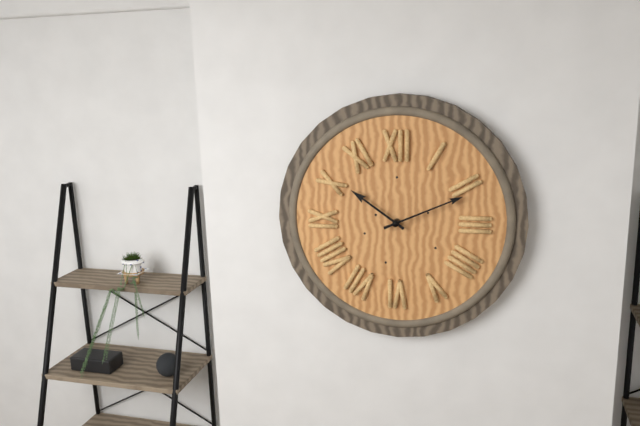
10:11
